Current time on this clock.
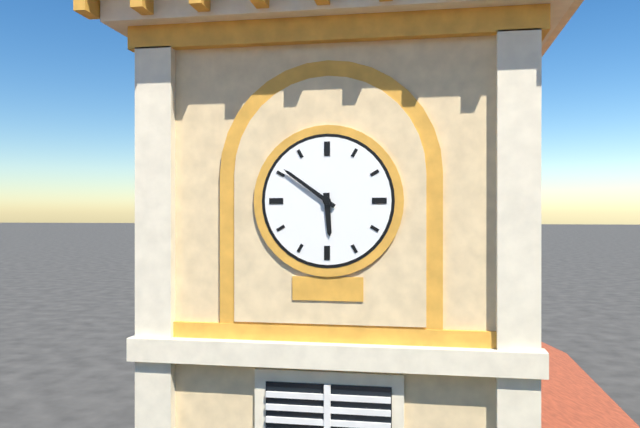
5:51
